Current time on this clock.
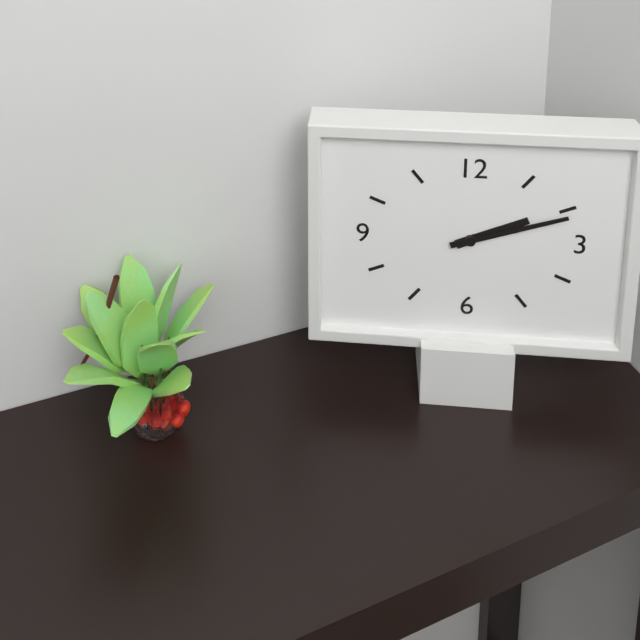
2:12
